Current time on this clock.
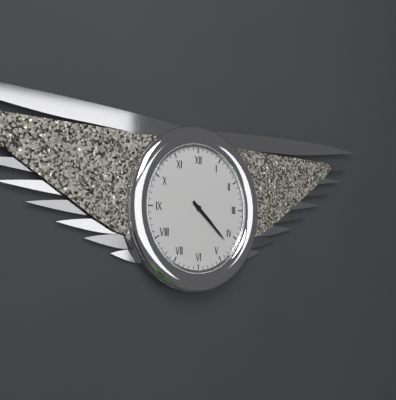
4:22
